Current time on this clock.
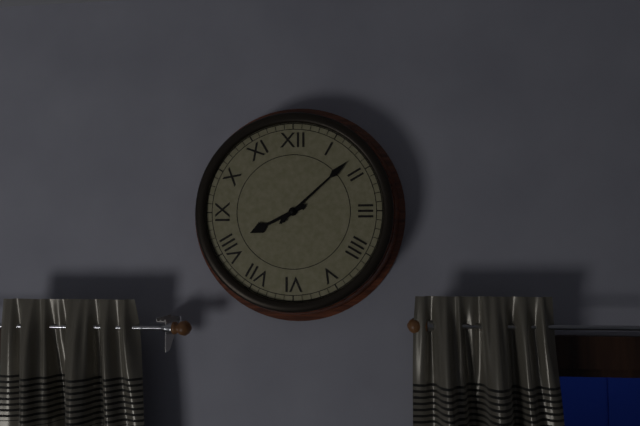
8:08
